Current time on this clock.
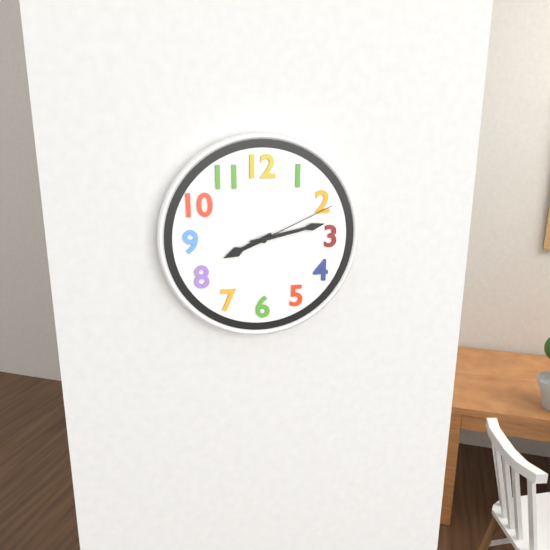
8:13:11
